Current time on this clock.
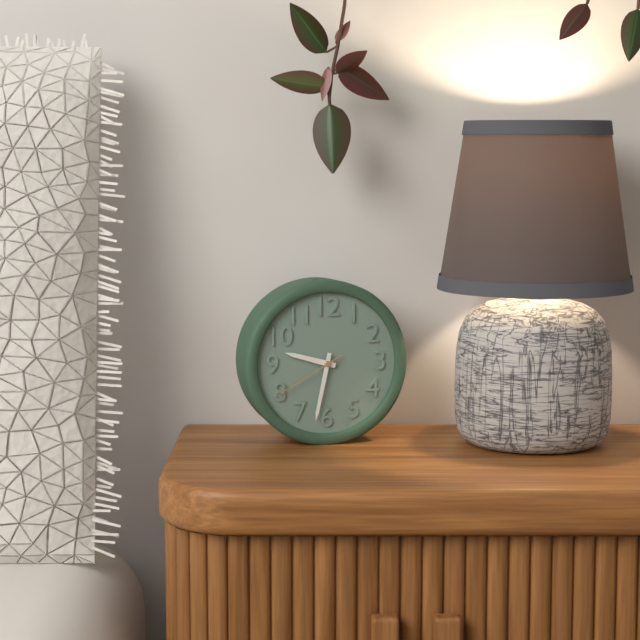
9:32:40
